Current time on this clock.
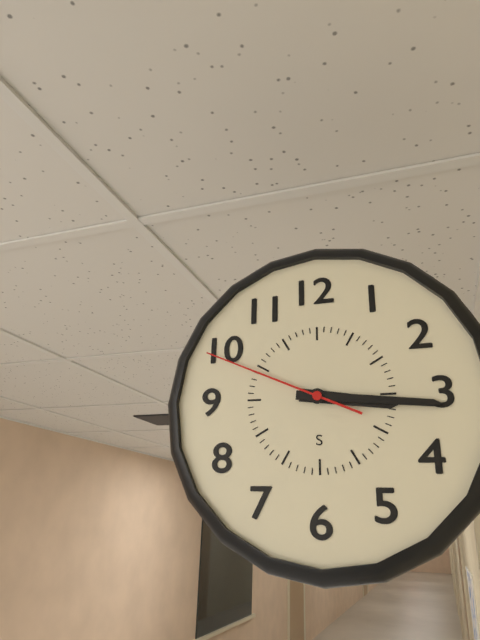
3:16:49
